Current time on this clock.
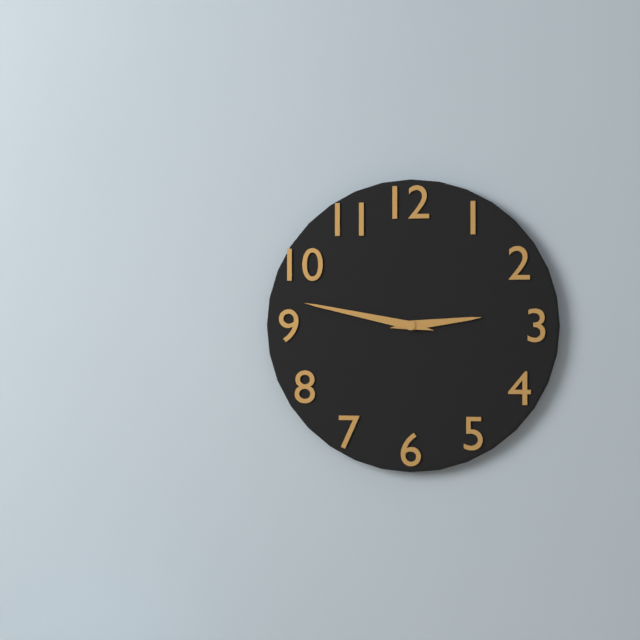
2:47
